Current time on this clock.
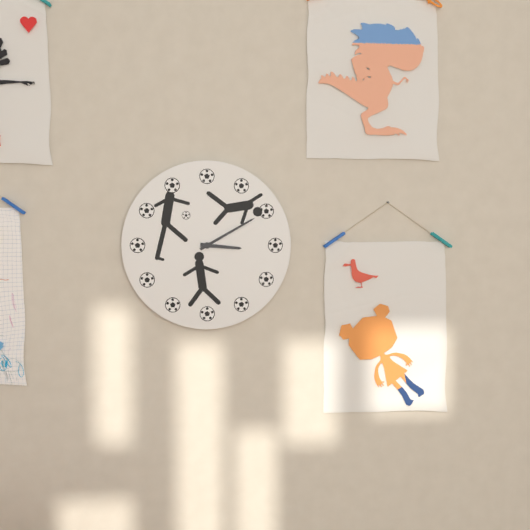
3:10
